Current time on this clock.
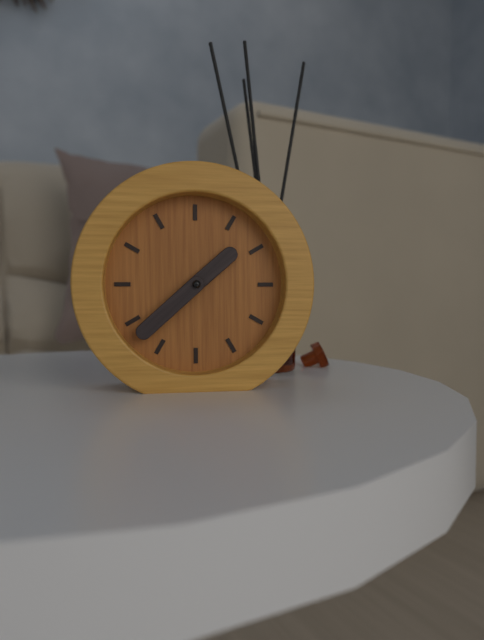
1:38
